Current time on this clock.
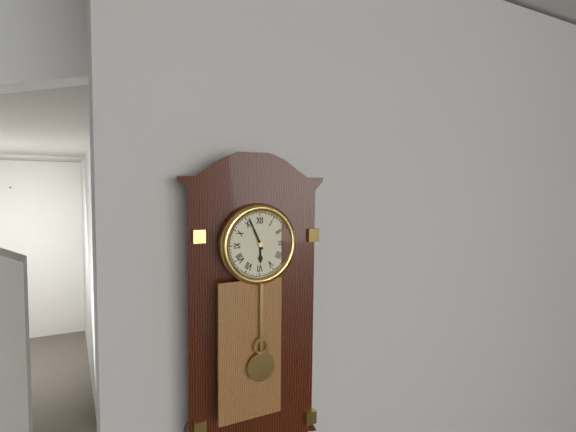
5:56
